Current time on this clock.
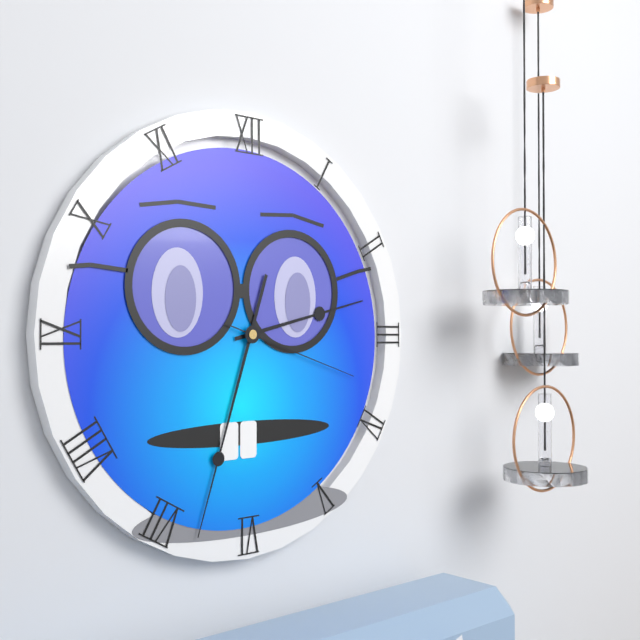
2:33:18
